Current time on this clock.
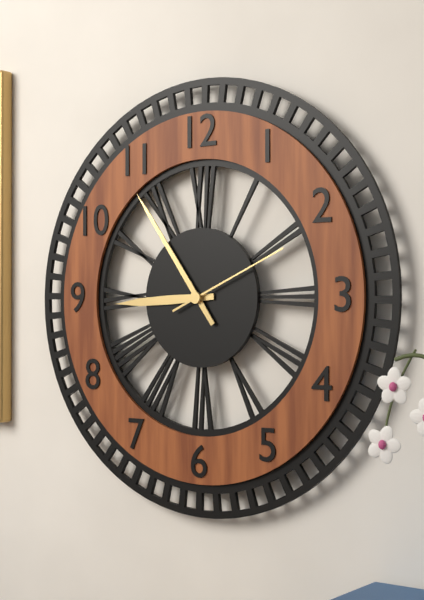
8:54:11
